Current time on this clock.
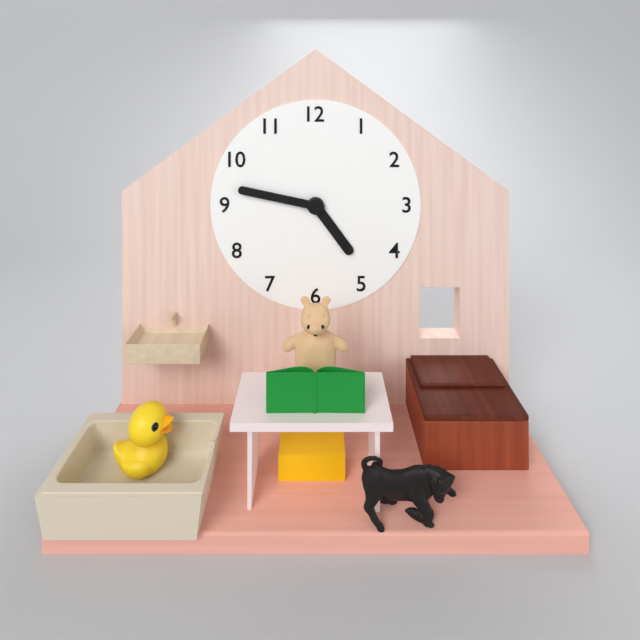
4:47
